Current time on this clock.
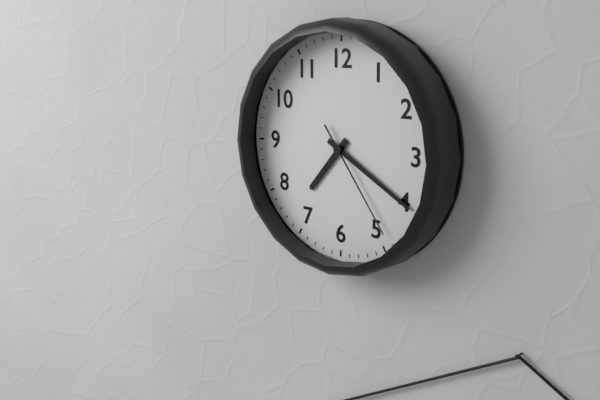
7:20:24
